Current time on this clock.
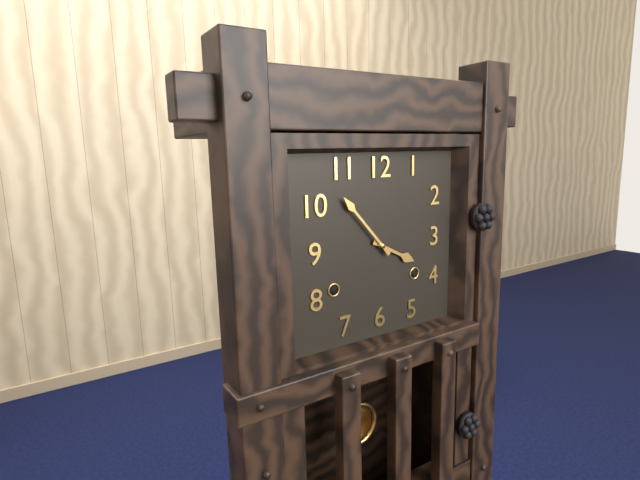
3:53
